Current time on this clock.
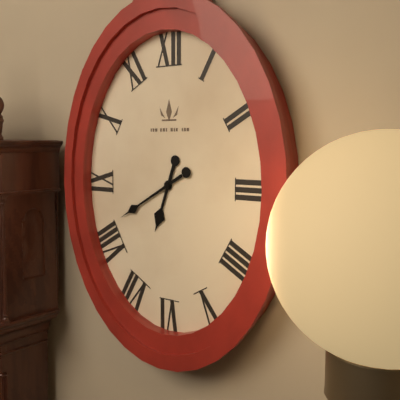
6:40
